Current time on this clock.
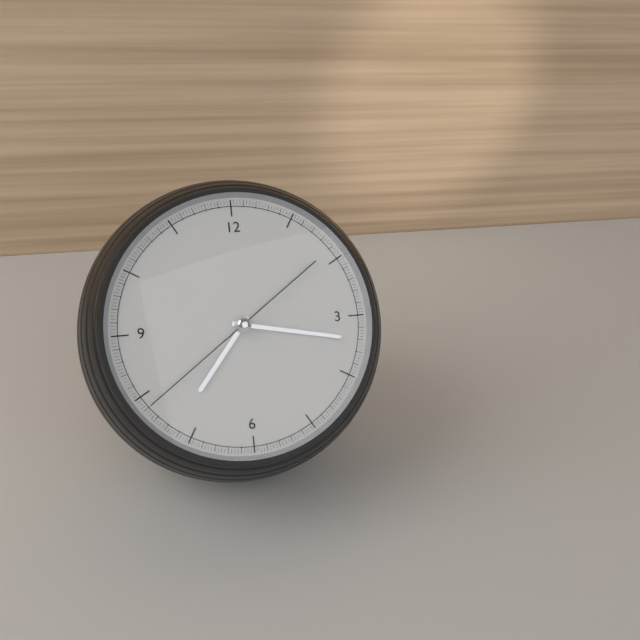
7:17:39
